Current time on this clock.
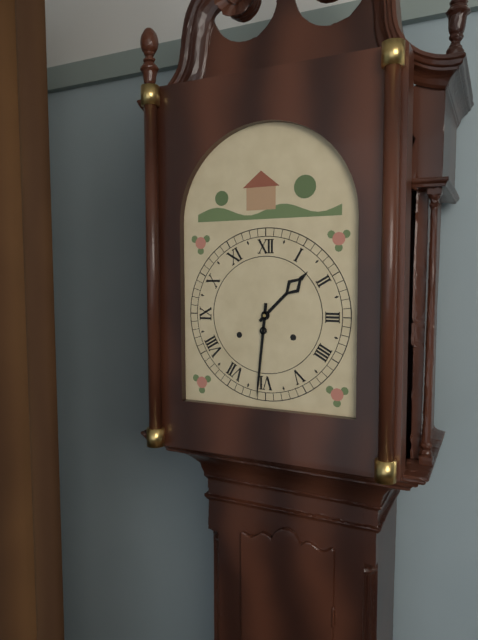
1:31
